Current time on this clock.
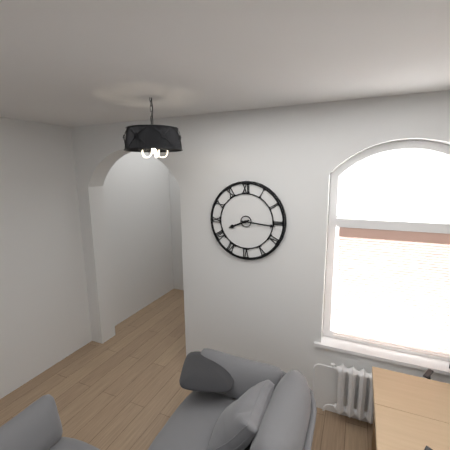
8:16
